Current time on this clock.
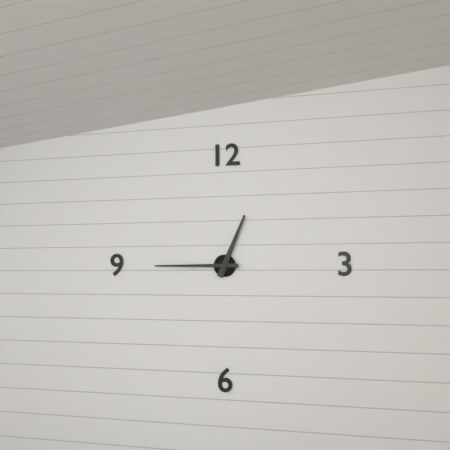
12:45
